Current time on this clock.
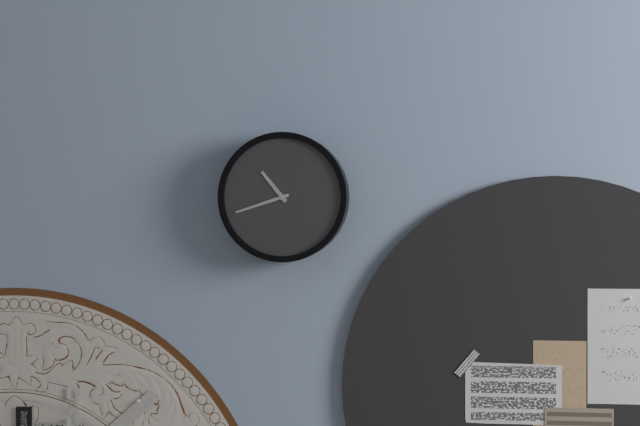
10:42
